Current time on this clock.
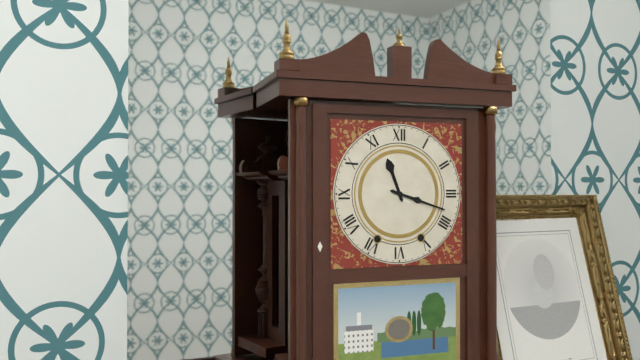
11:18
